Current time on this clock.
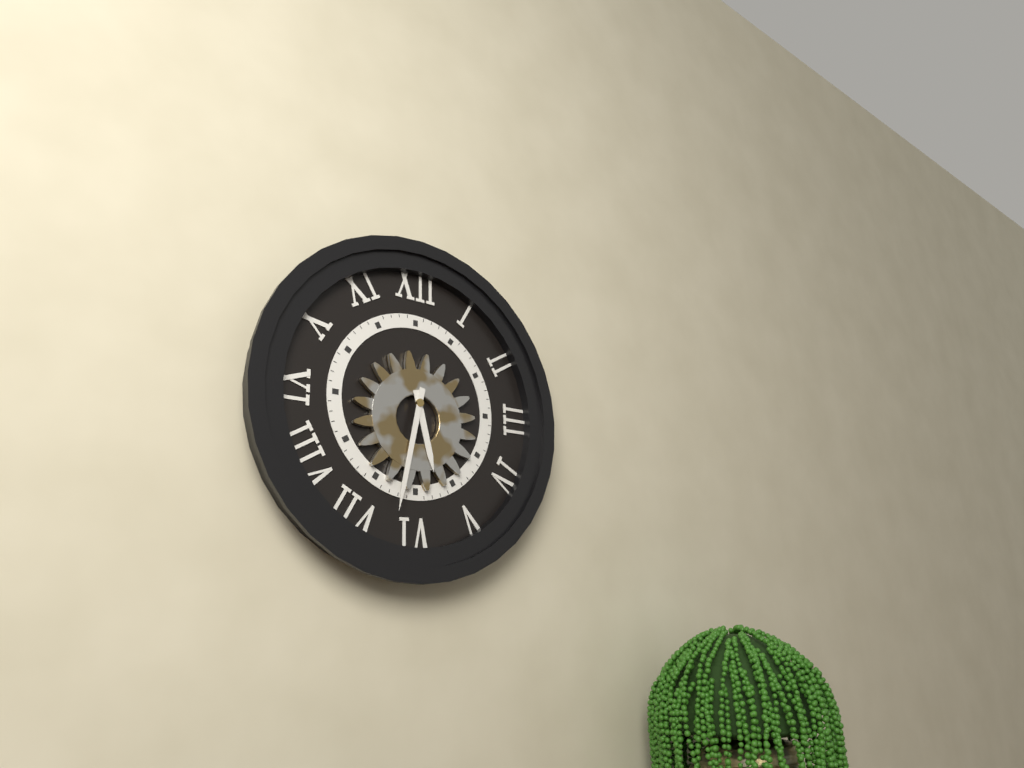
5:32
